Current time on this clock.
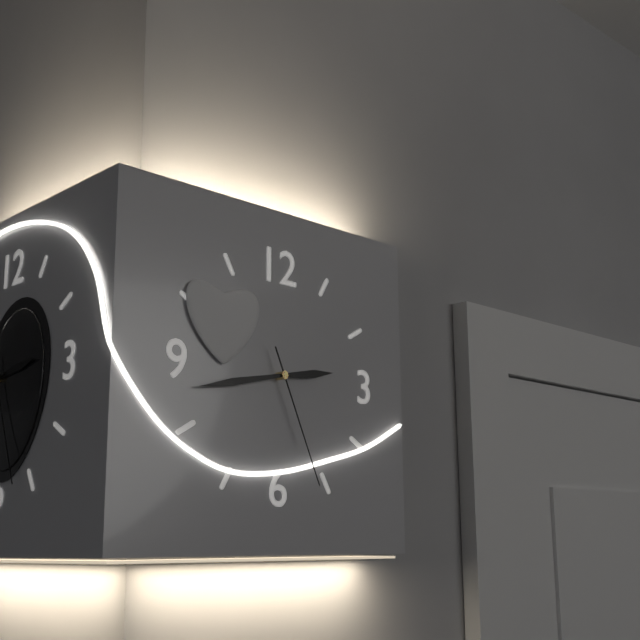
2:43:26
